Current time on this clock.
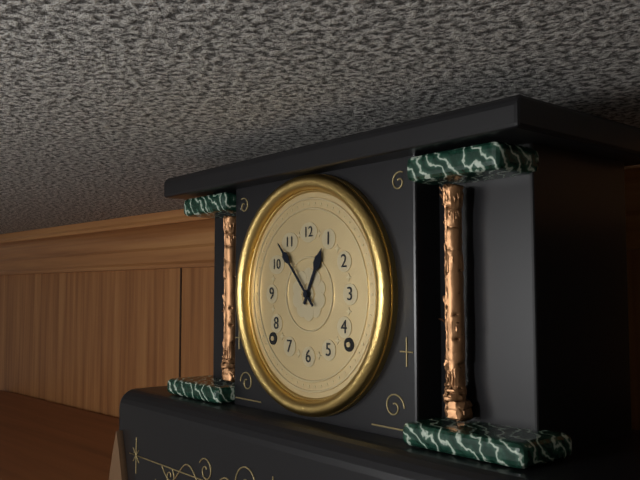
12:53
